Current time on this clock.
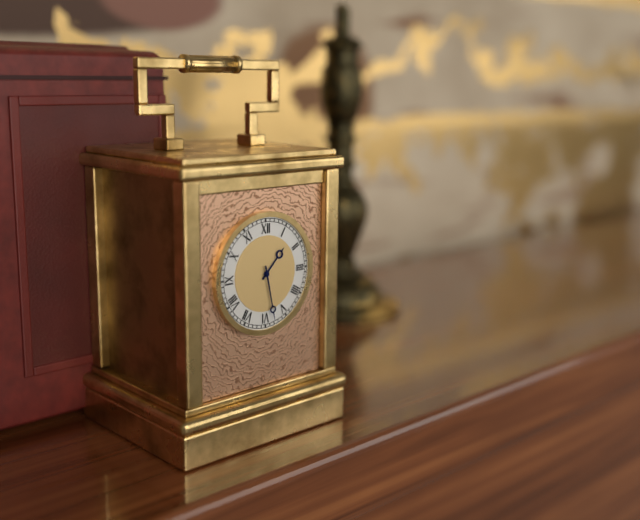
1:28
